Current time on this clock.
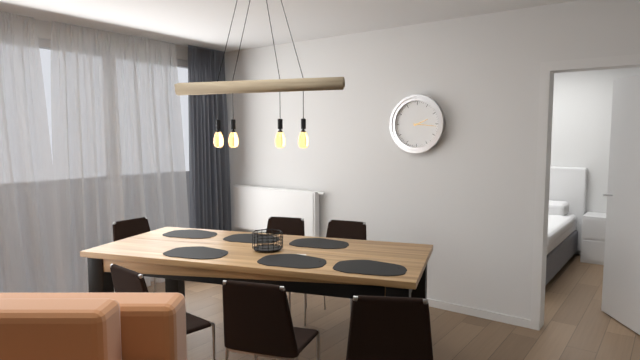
2:16
